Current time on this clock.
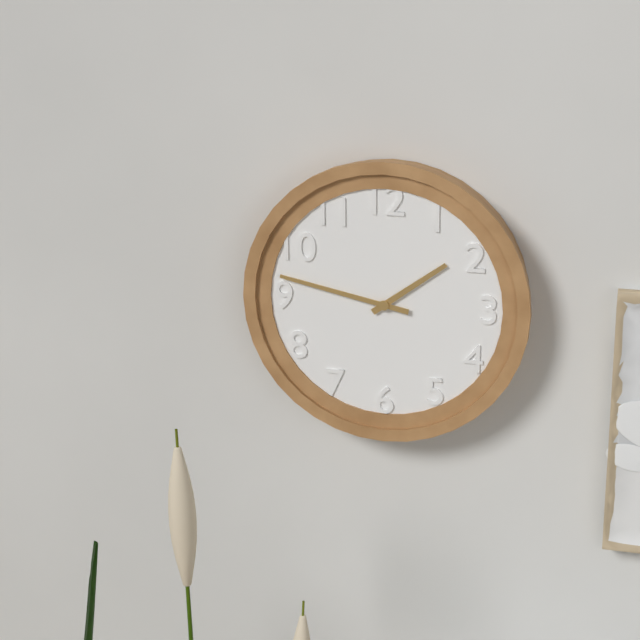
1:47
